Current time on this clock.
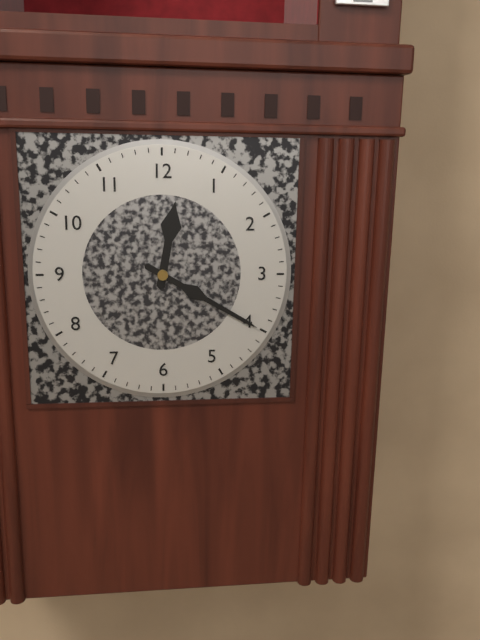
12:20
